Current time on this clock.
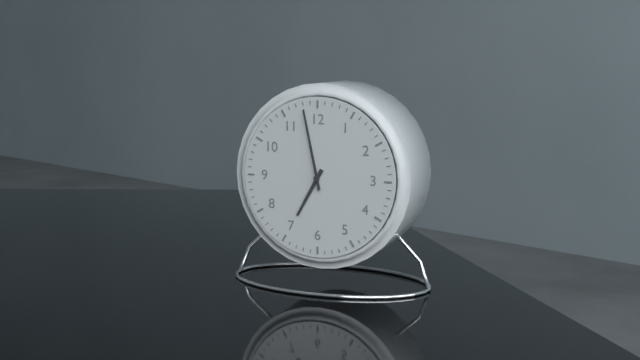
6:58
